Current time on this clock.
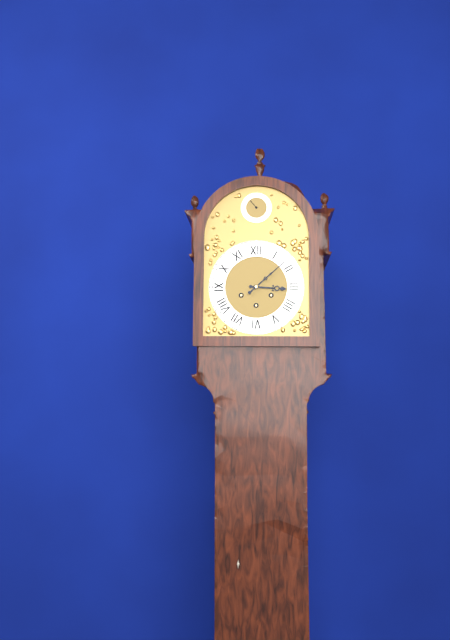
3:08
